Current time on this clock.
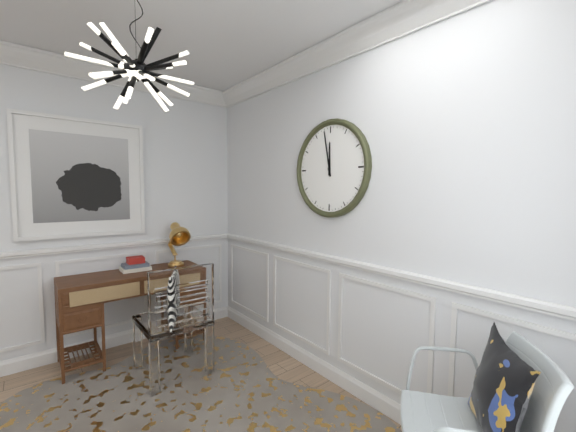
11:58
